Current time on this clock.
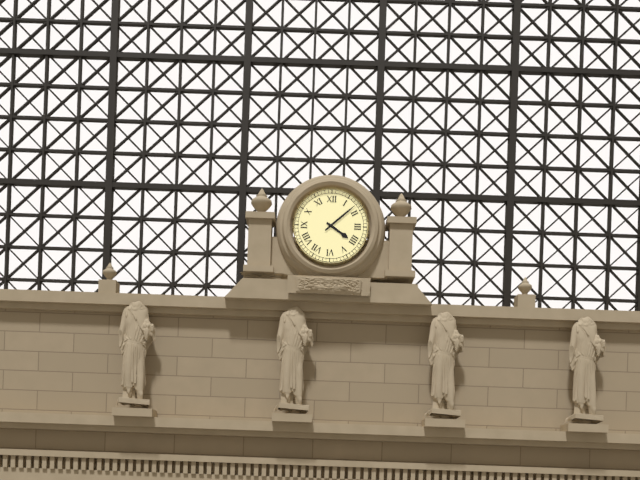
4:08
